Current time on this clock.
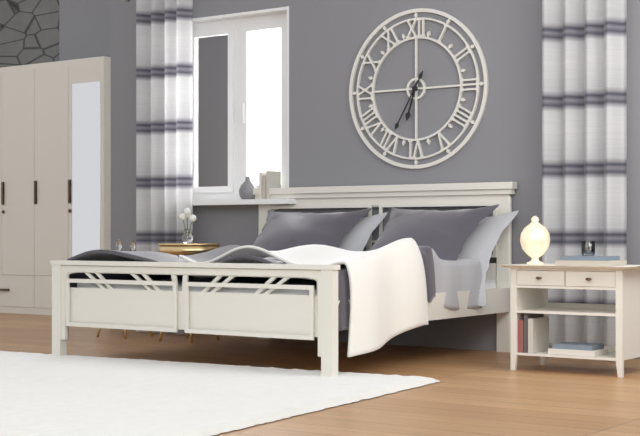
6:35
